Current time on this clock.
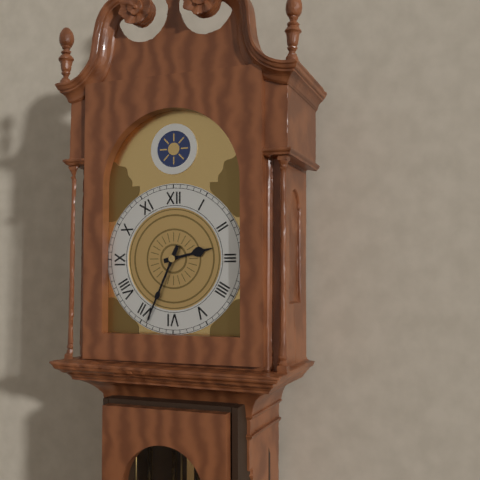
2:34
